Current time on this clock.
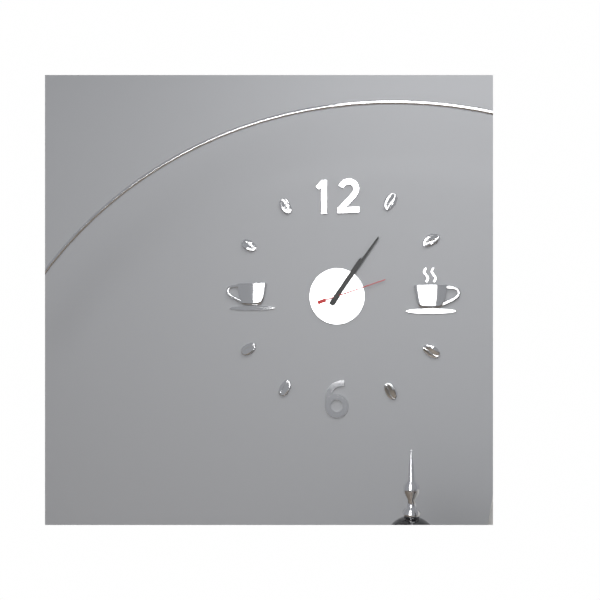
1:06:12
